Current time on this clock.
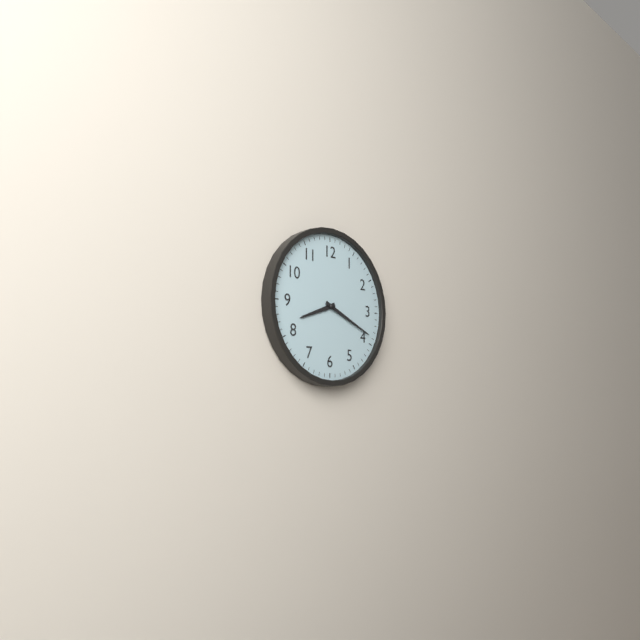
8:19
